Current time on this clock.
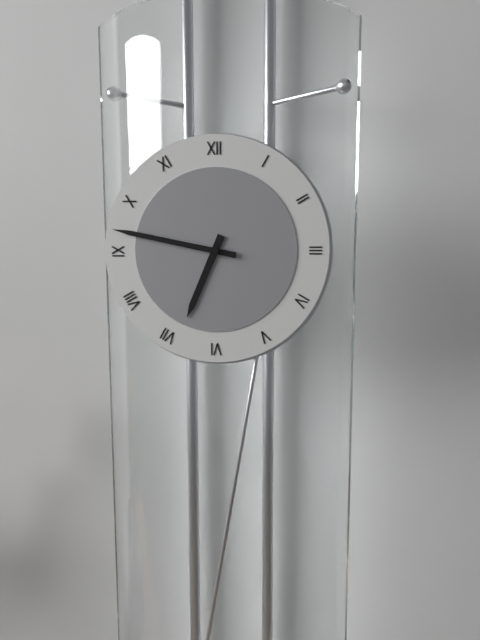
6:47
